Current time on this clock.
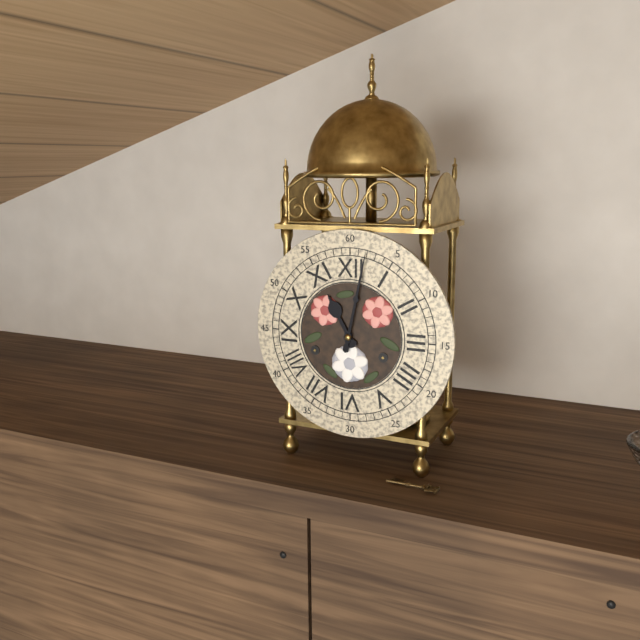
11:02
